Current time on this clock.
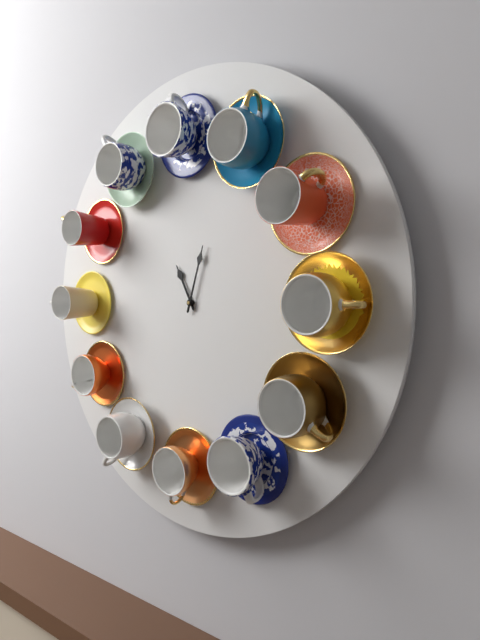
11:03
